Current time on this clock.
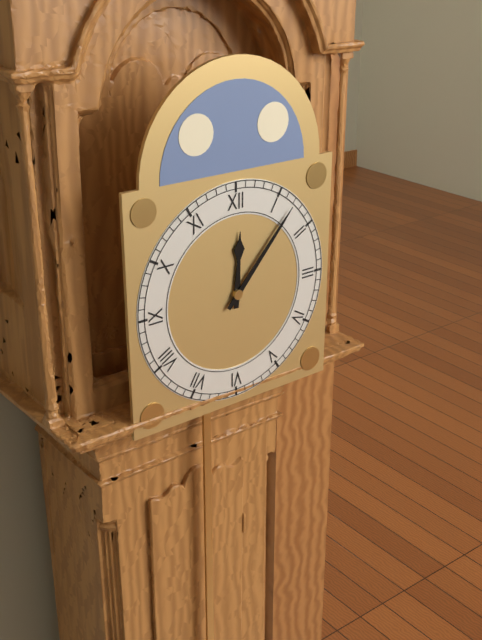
12:07
